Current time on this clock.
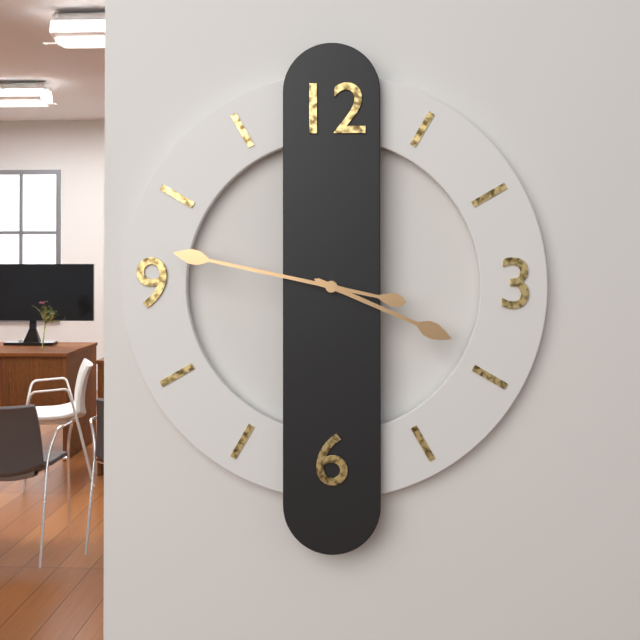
3:47
